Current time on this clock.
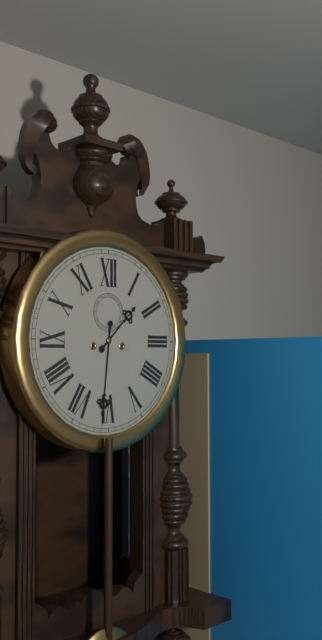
1:31
